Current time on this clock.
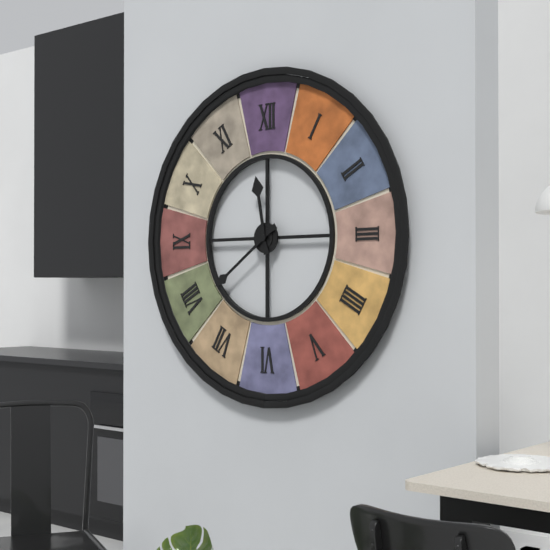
11:39
